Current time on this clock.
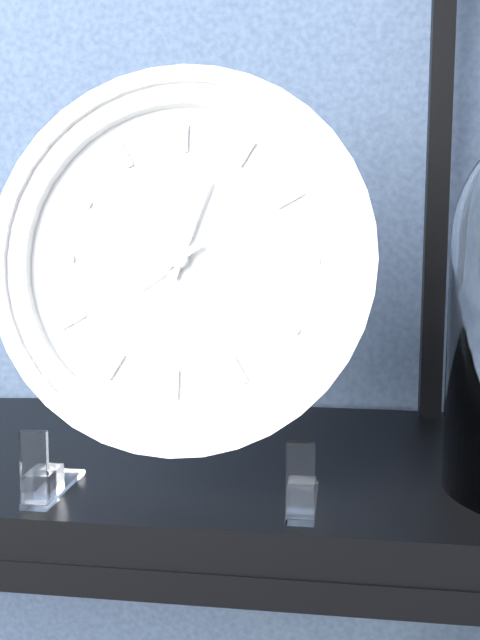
12:39
